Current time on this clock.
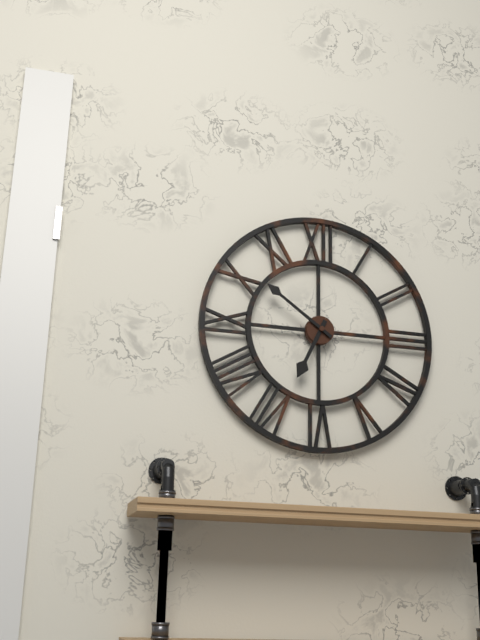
6:51
